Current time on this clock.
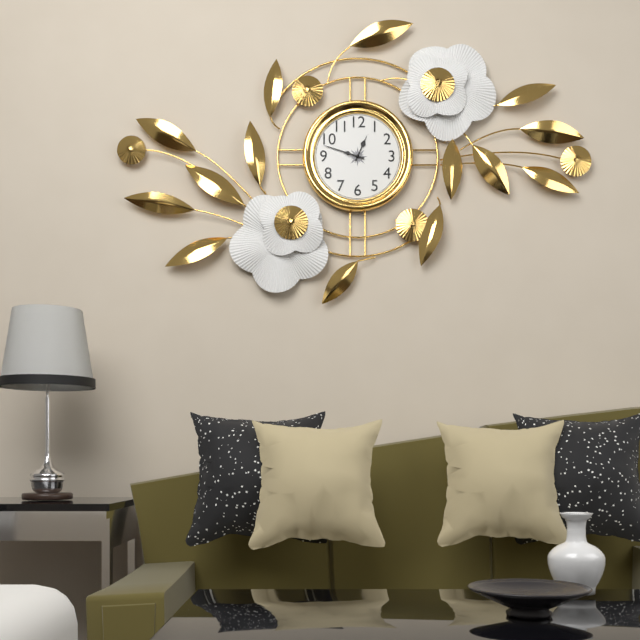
12:48
